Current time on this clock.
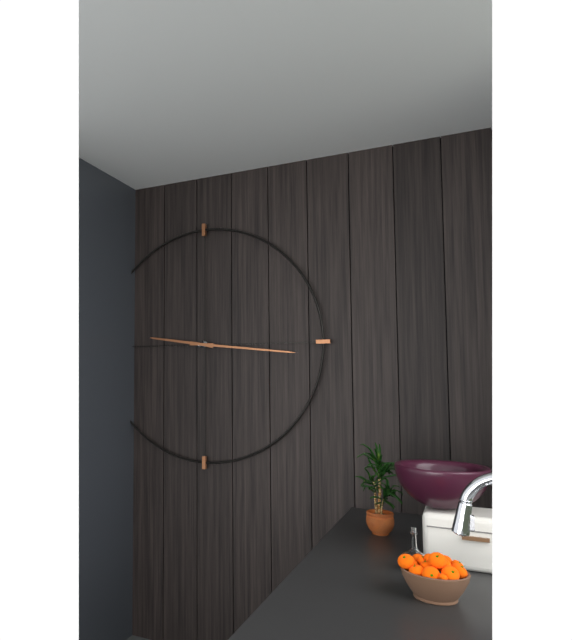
9:16
